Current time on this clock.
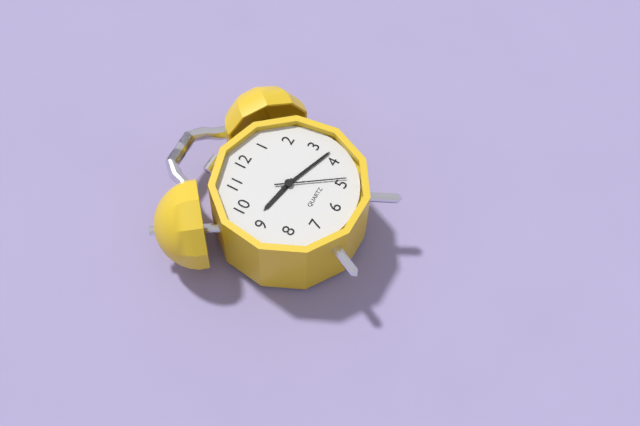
9:18:24
